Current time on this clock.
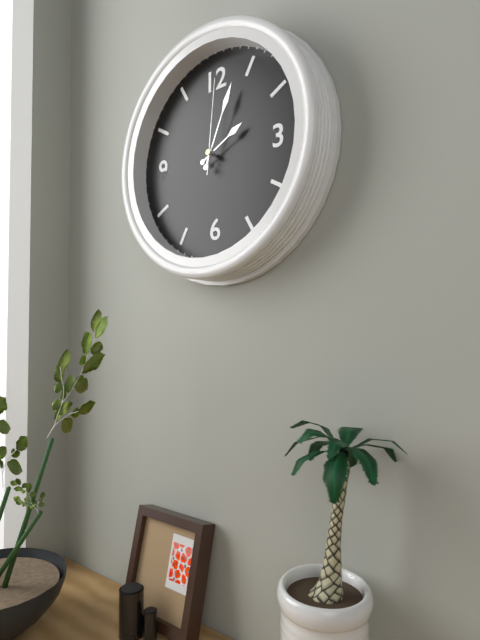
2:04:01
